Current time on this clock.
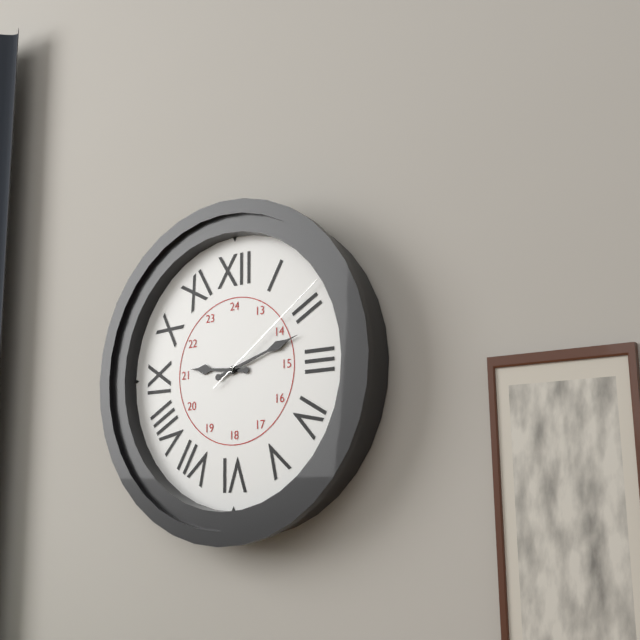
9:12:09
